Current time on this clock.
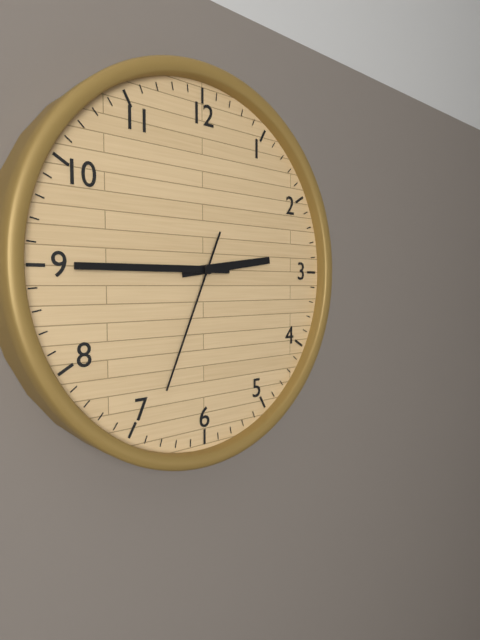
2:45:34
